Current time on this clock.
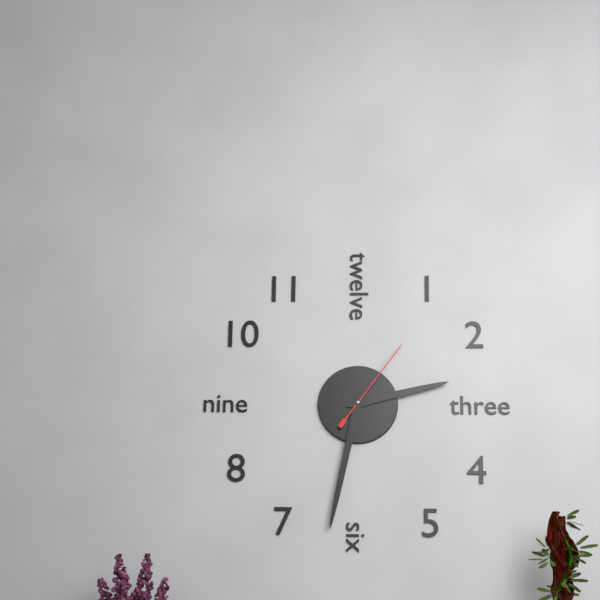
2:32:06
